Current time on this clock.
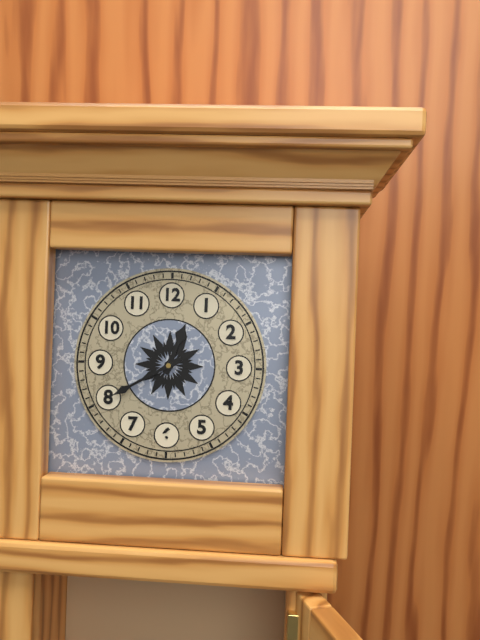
12:40
